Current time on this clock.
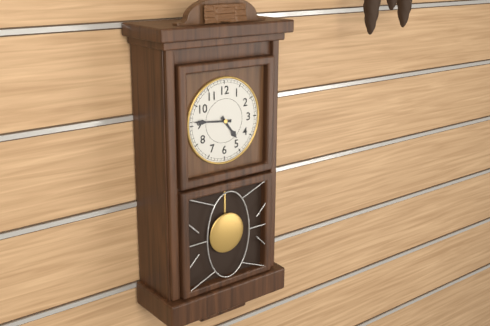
4:46
